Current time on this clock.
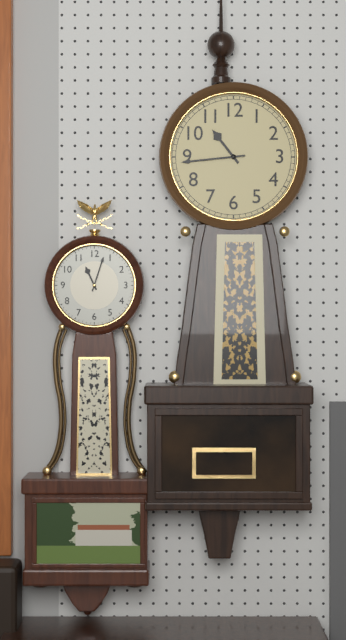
10:44
